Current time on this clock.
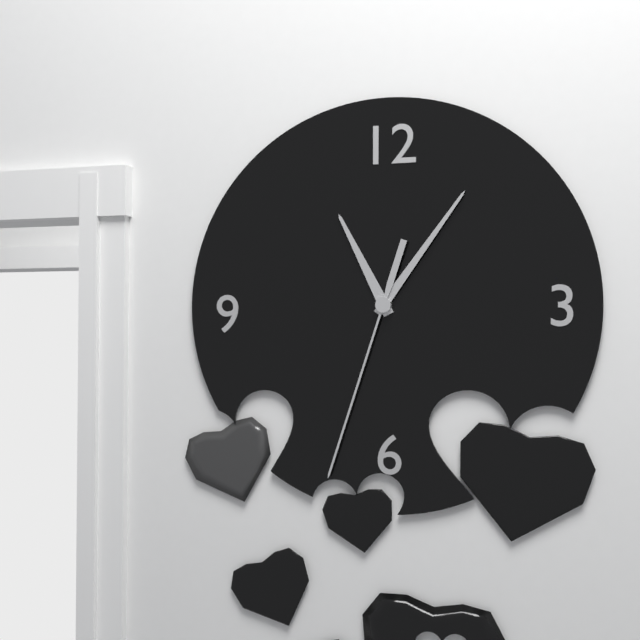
11:06:33
